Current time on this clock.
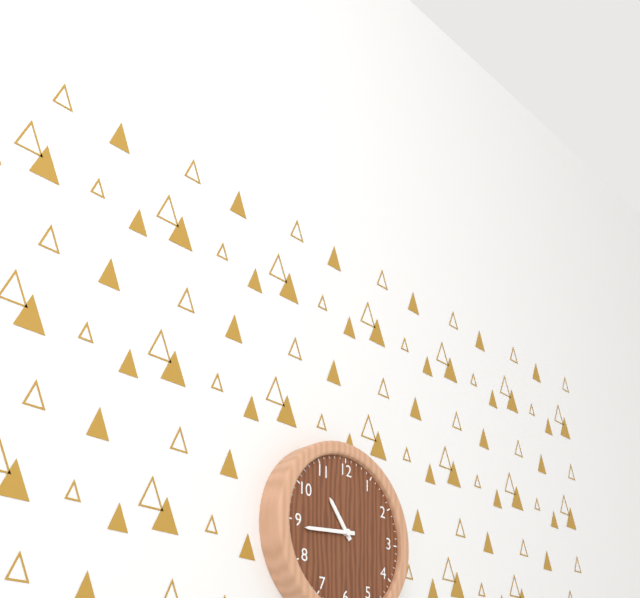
10:44
